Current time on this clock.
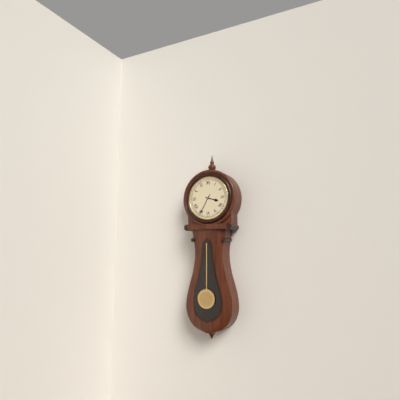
3:35
